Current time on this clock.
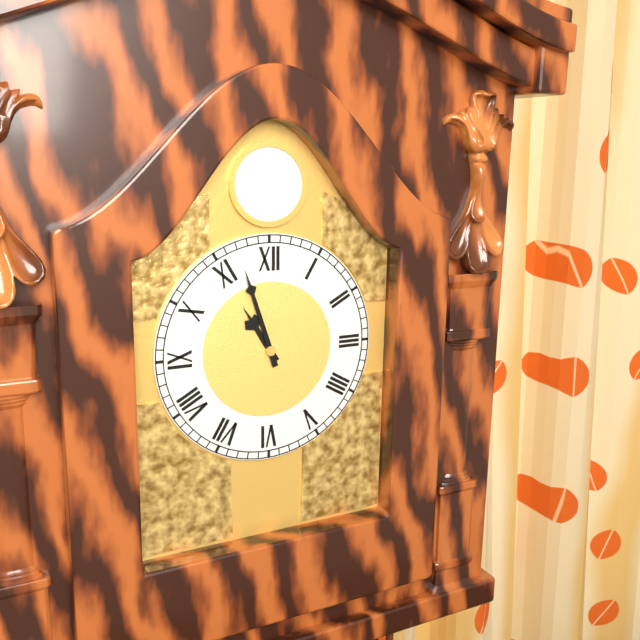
10:57
